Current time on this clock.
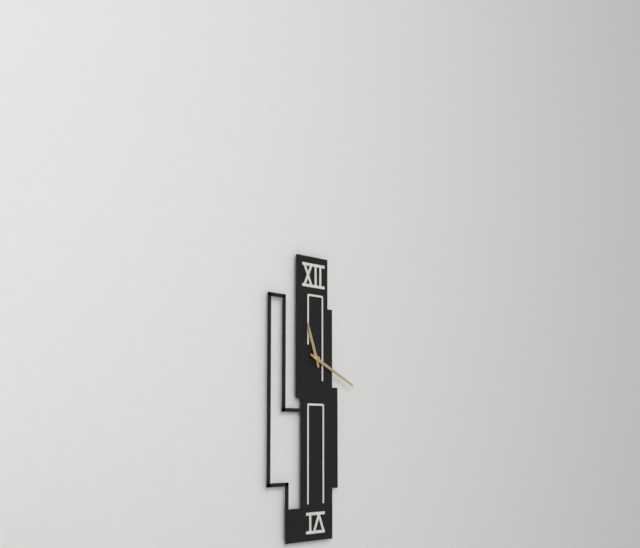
11:19
